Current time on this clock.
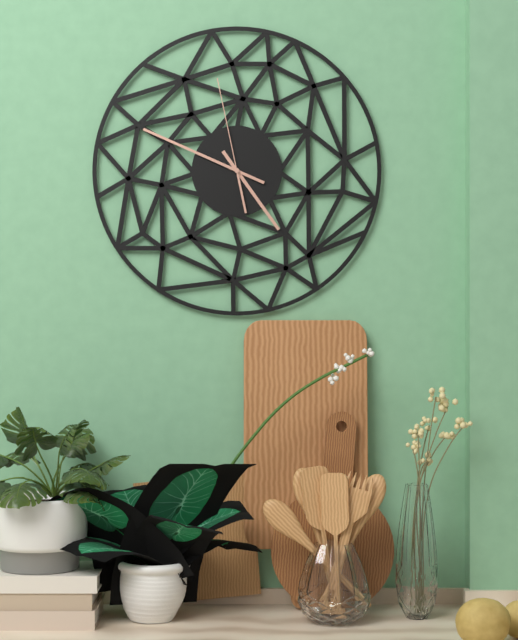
4:49:58
